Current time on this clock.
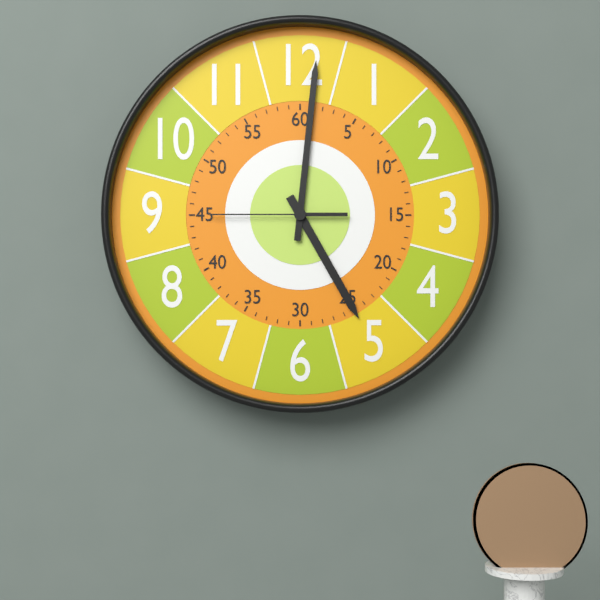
5:01:45
